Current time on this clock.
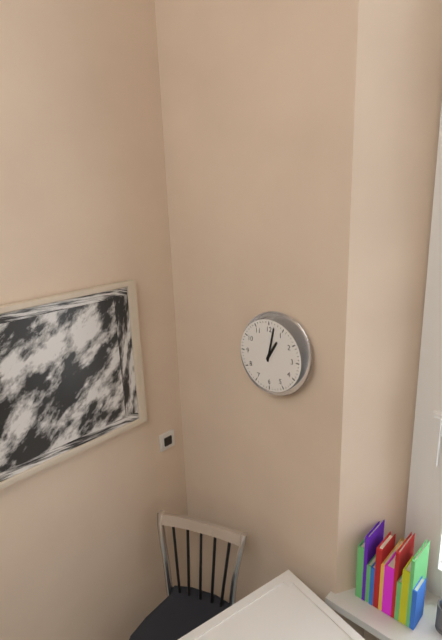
1:02
